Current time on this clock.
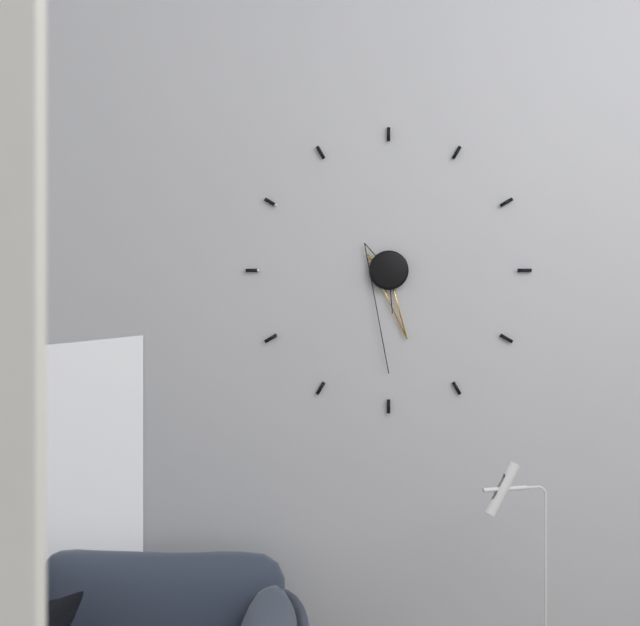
5:30
